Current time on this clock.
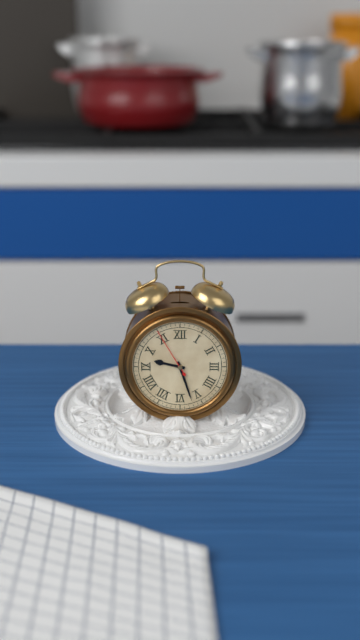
9:27:55
